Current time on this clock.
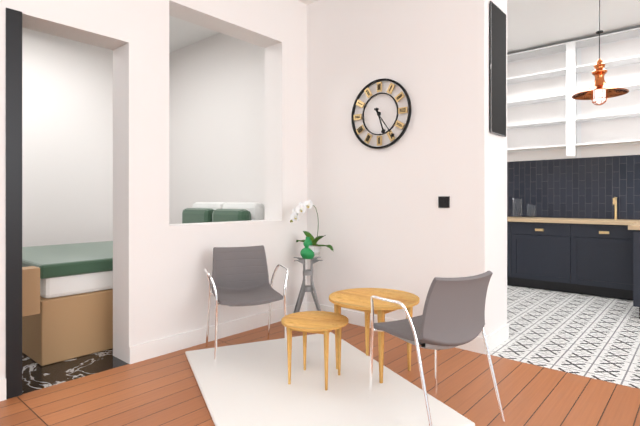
5:24
